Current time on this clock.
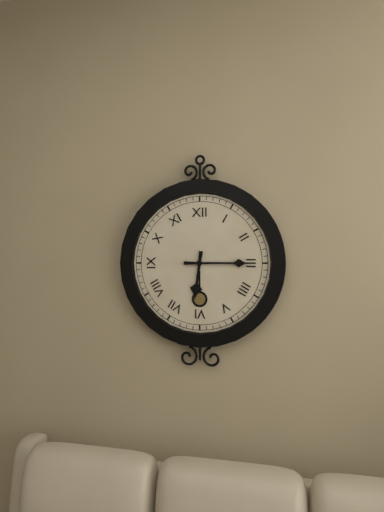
6:15
